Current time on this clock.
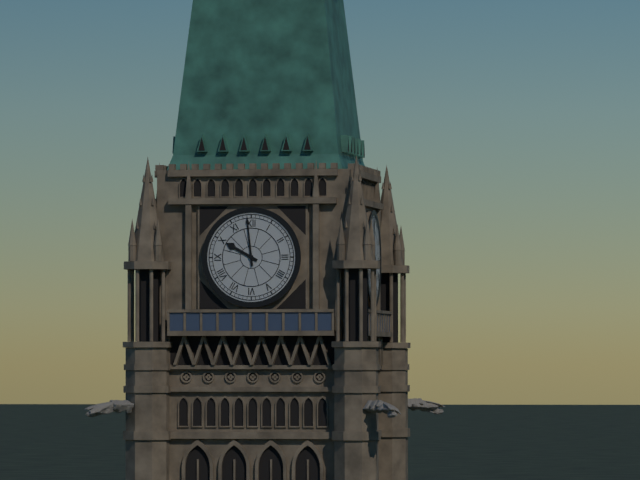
9:59
